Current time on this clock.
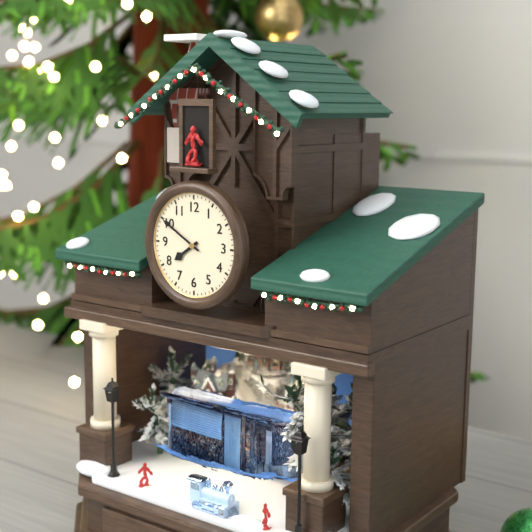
7:50
